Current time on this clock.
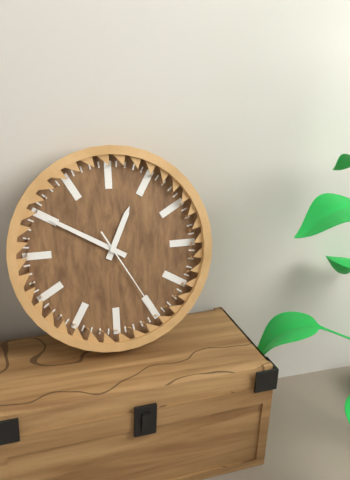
12:50:25
